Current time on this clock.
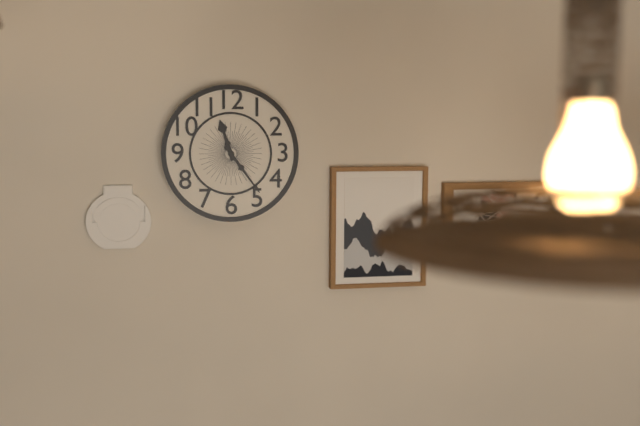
11:24
